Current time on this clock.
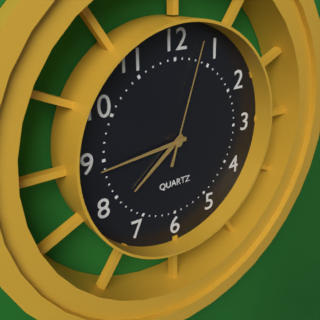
7:44:03
